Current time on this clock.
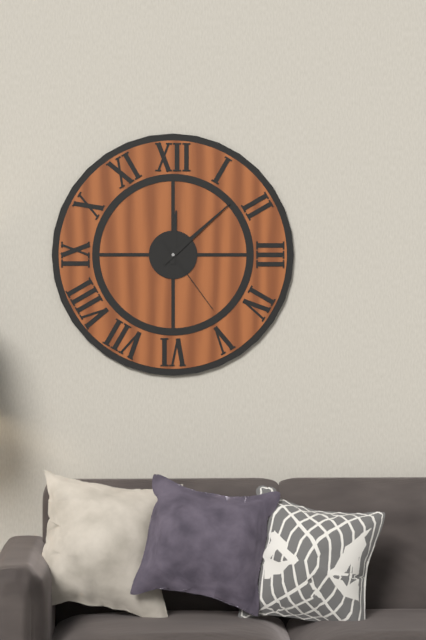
12:08:24
